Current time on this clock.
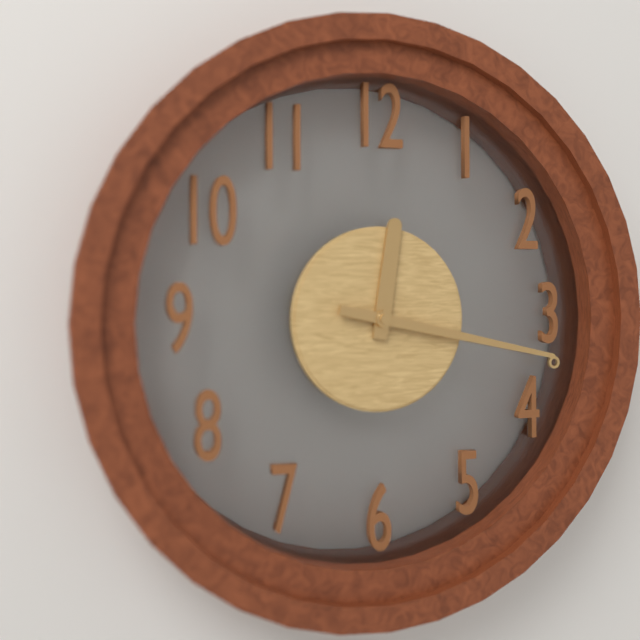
12:17
